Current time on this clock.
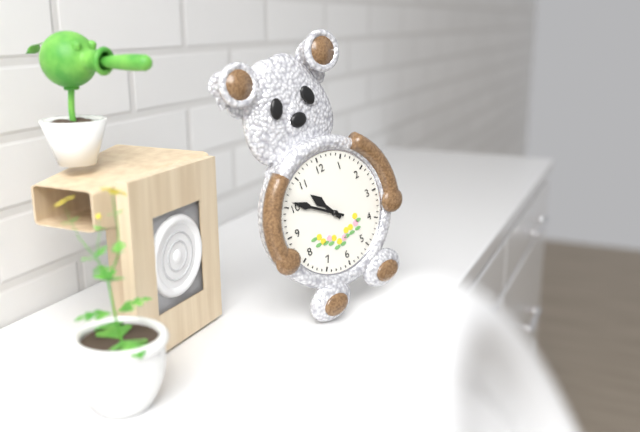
10:51
